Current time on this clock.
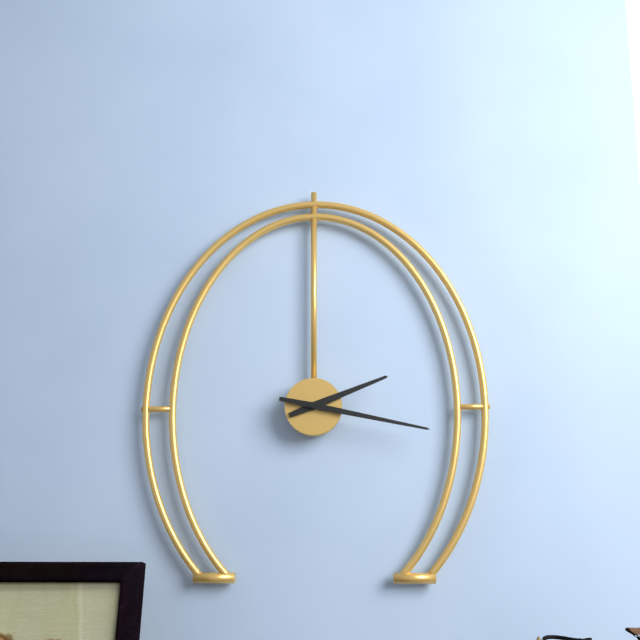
2:17
